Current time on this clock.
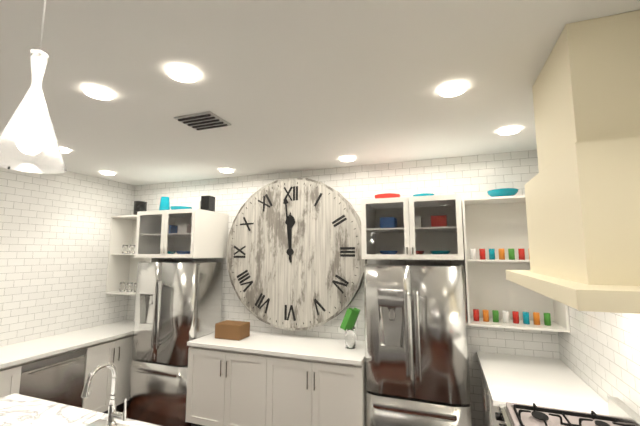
11:59
